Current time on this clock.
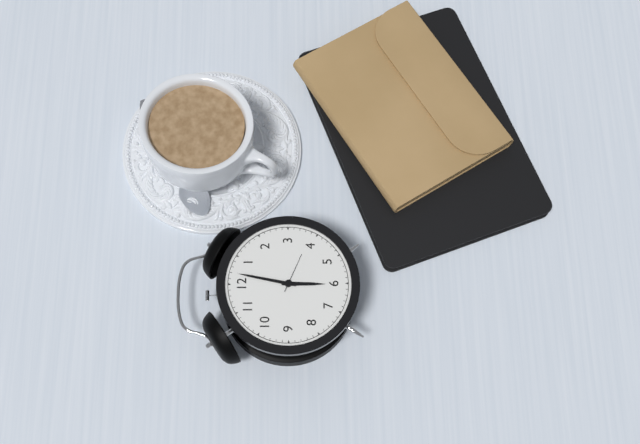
6:02
